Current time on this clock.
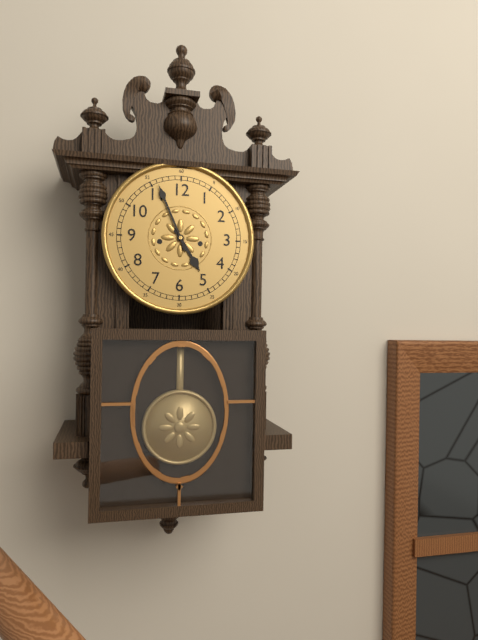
4:56
